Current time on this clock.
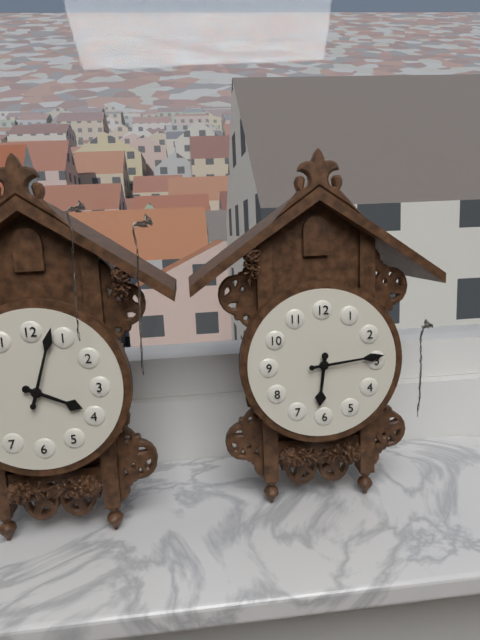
6:14
